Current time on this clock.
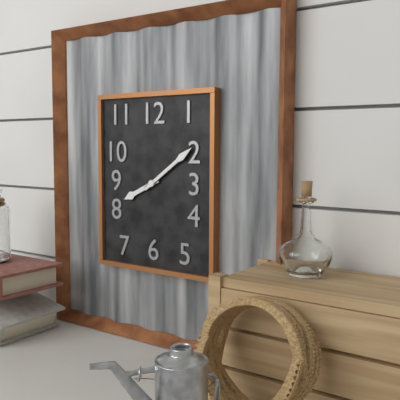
8:09
